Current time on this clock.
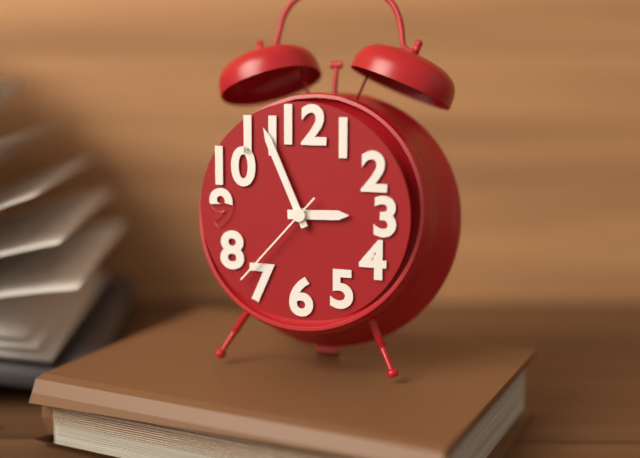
2:56:37
